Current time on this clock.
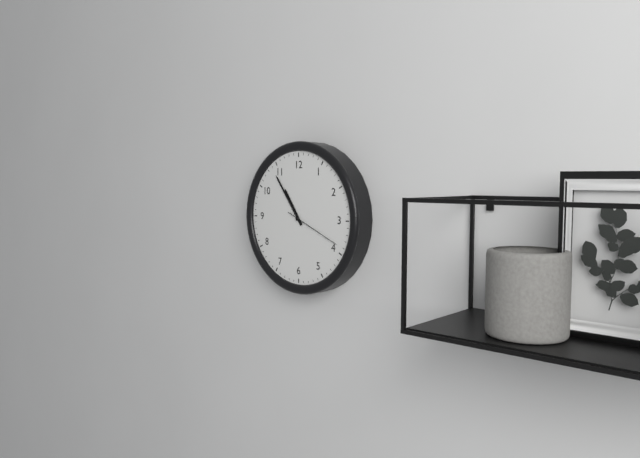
10:54:19
